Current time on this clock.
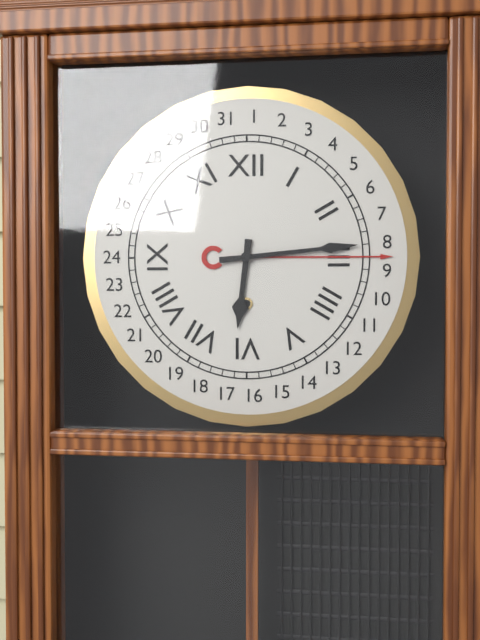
6:14
